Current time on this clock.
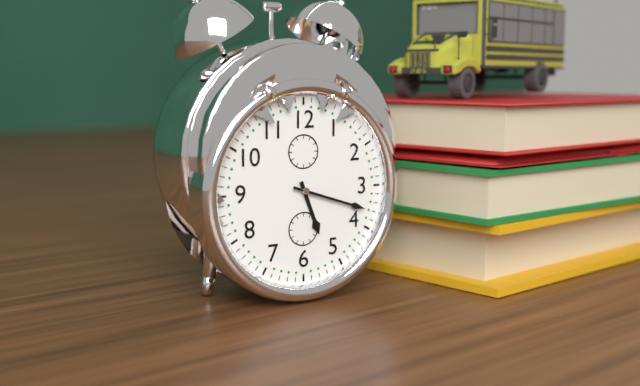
5:18
